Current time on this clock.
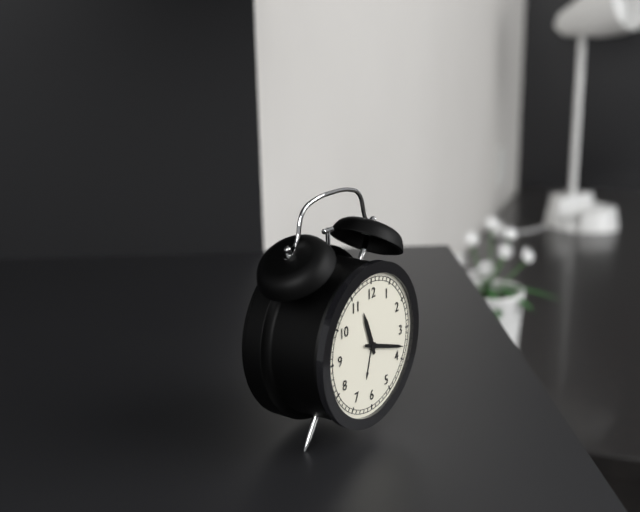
11:18
